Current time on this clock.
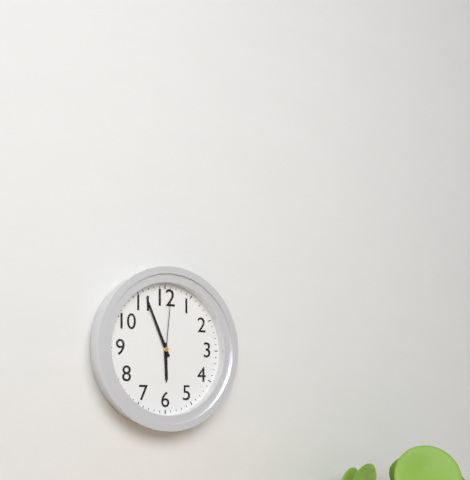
5:56:01
